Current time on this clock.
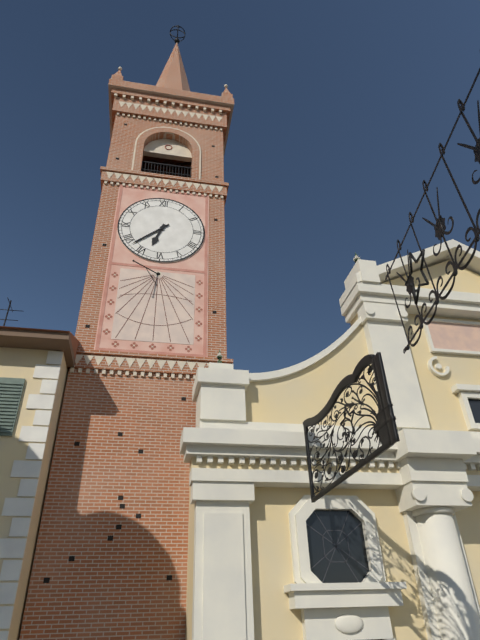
6:38
